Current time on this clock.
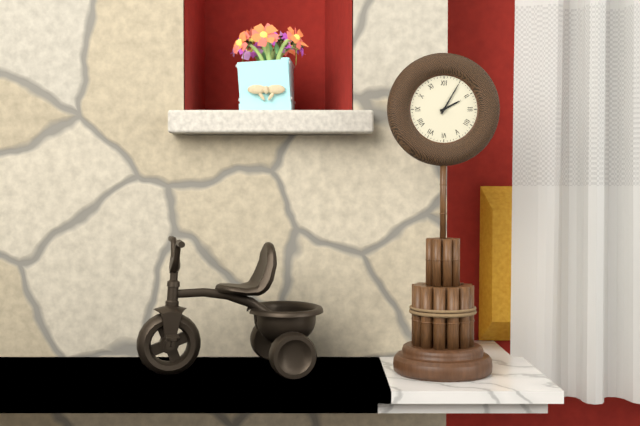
2:05
